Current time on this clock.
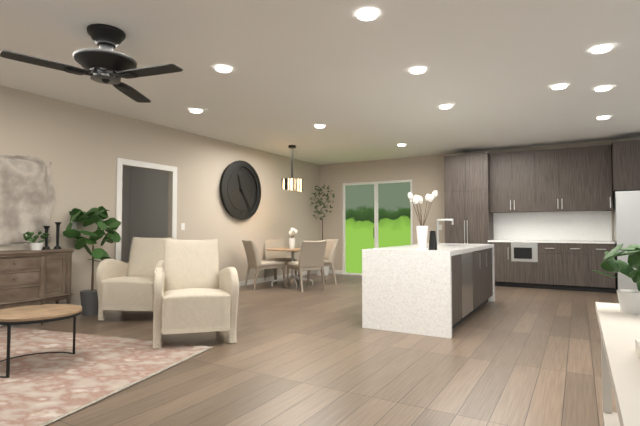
11:24
